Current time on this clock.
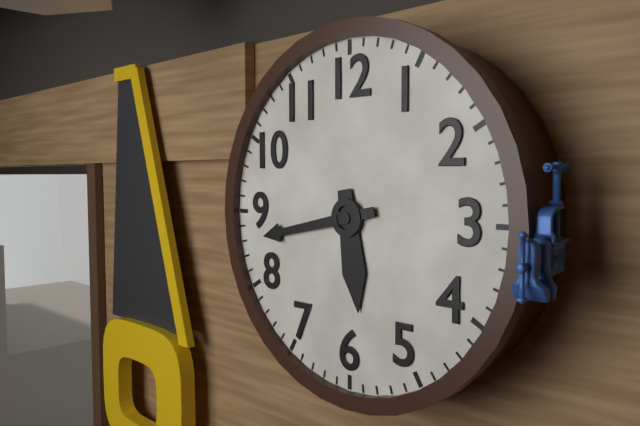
5:43
